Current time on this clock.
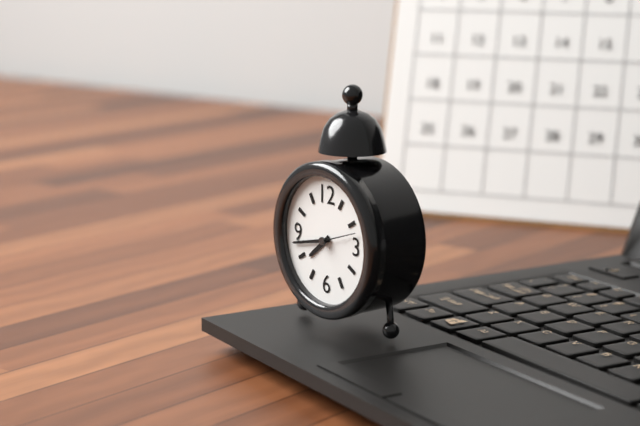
7:43
